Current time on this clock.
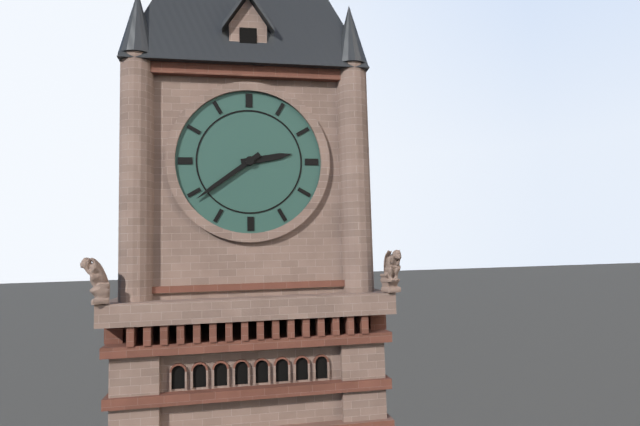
2:39
